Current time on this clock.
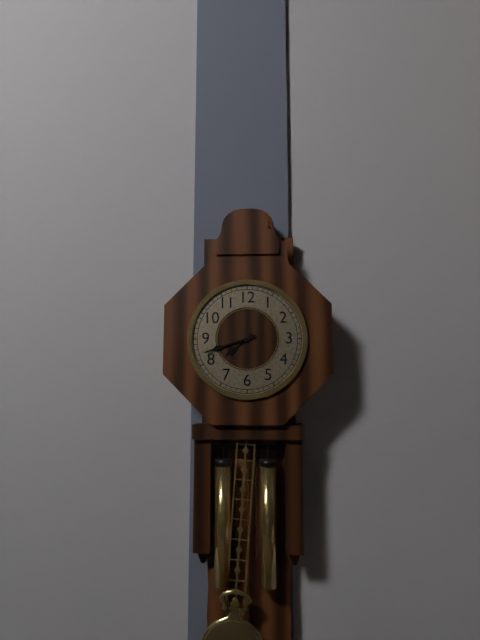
7:42
